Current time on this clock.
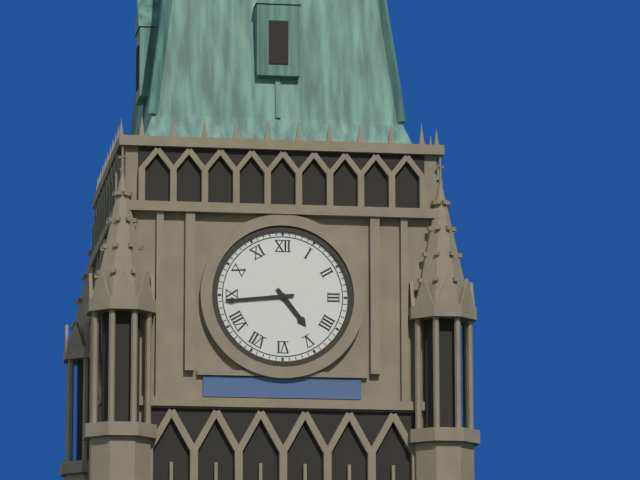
4:44
